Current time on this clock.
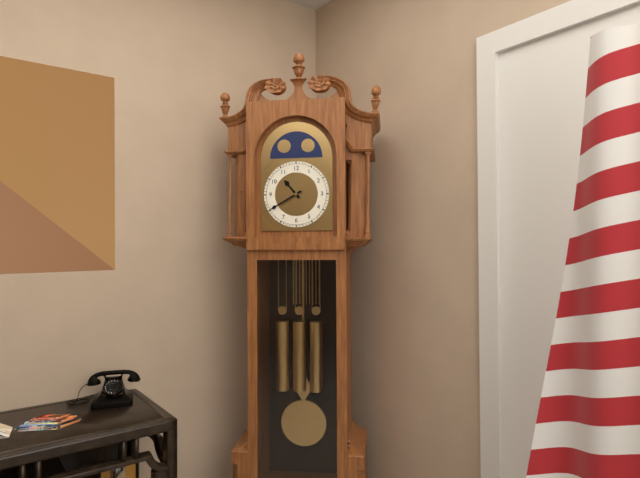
10:40
